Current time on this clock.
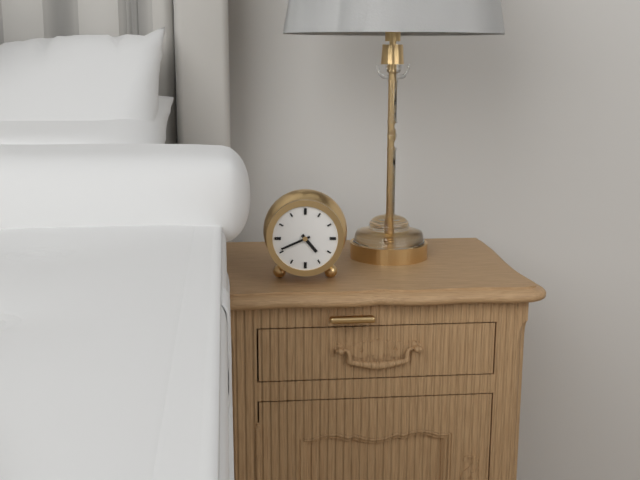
4:41
